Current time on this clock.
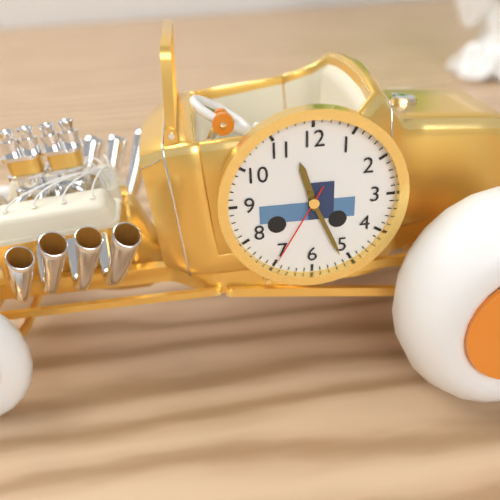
11:26:35
